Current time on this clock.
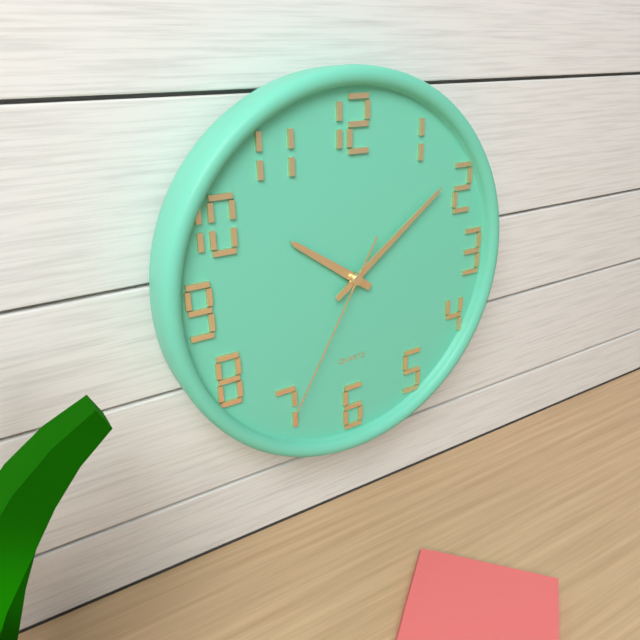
10:09:35
